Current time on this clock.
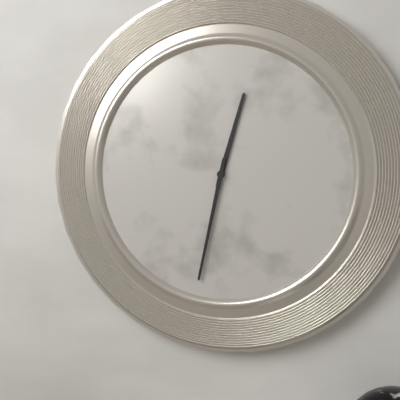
12:32
